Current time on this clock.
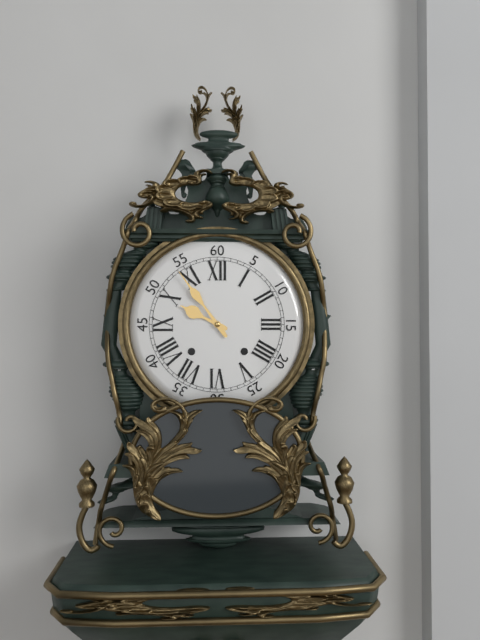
9:54
